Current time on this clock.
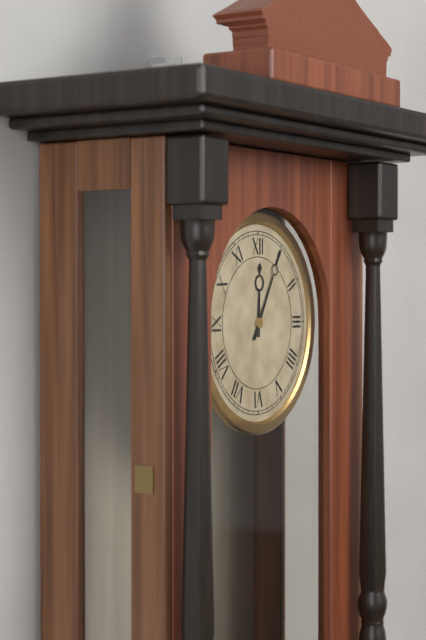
12:05
